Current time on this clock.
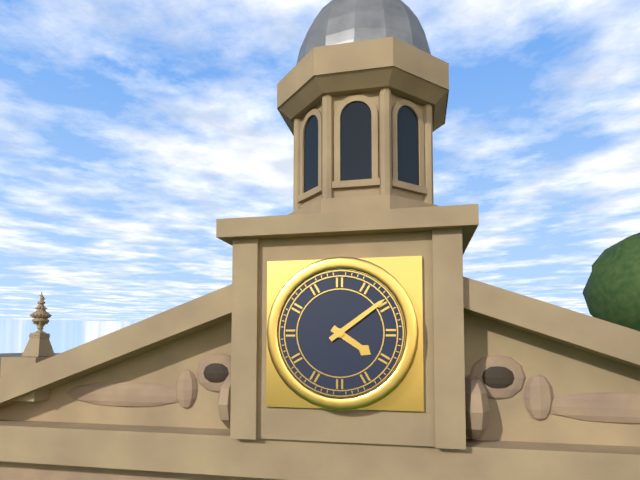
4:09
